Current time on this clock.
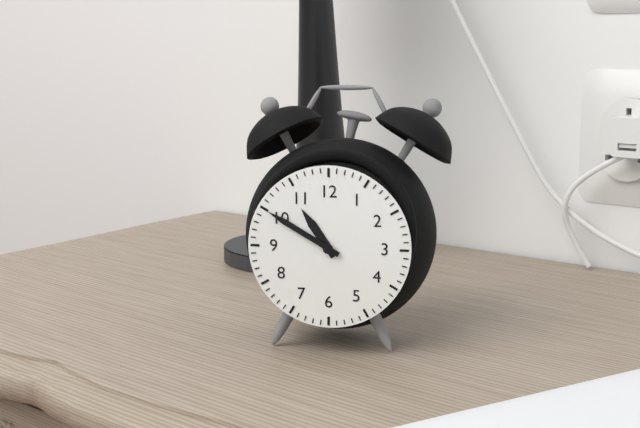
10:50
